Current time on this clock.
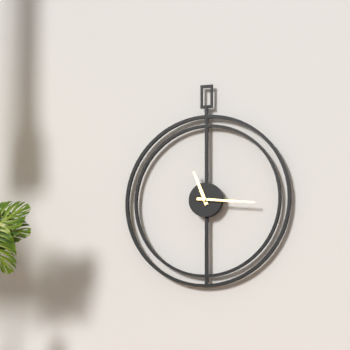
11:16
